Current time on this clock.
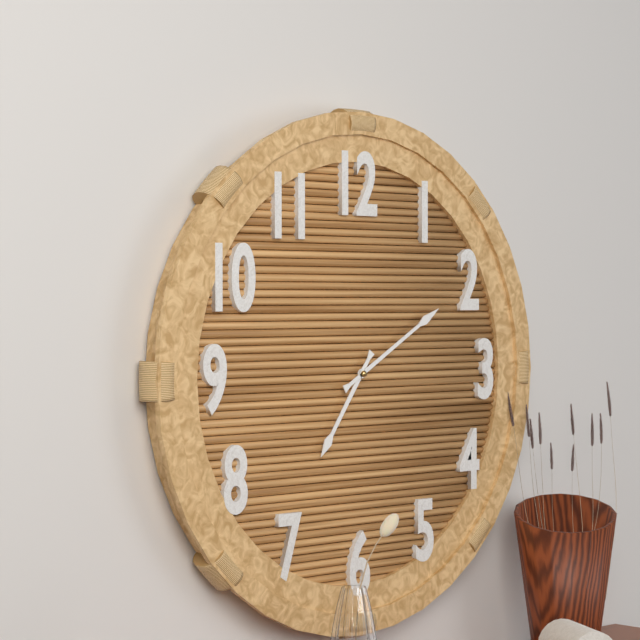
7:10
